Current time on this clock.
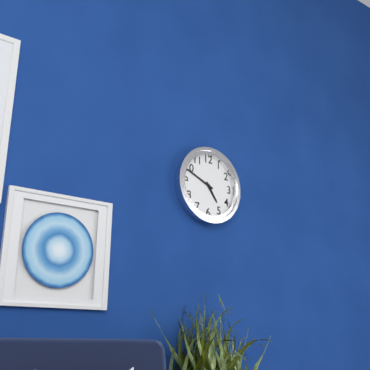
4:49
